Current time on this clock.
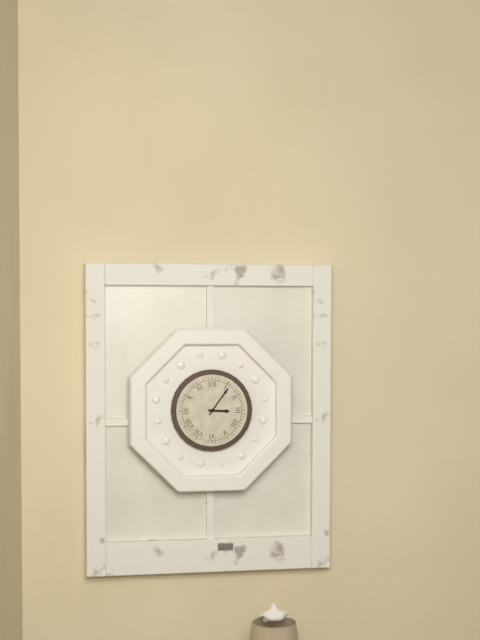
3:06
